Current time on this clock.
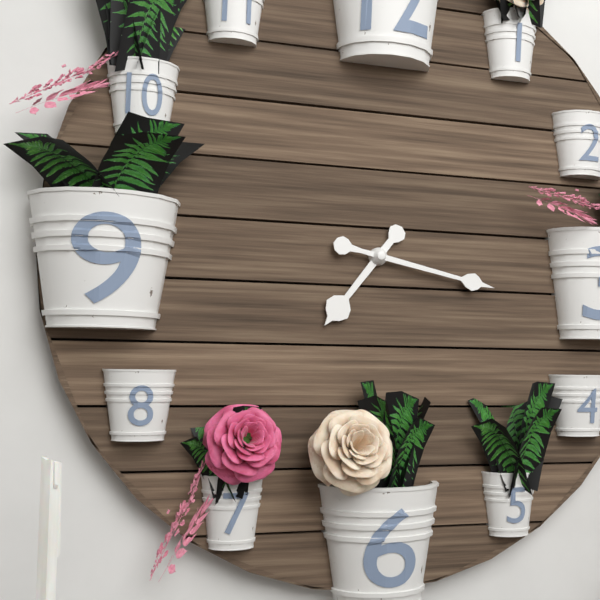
7:17
